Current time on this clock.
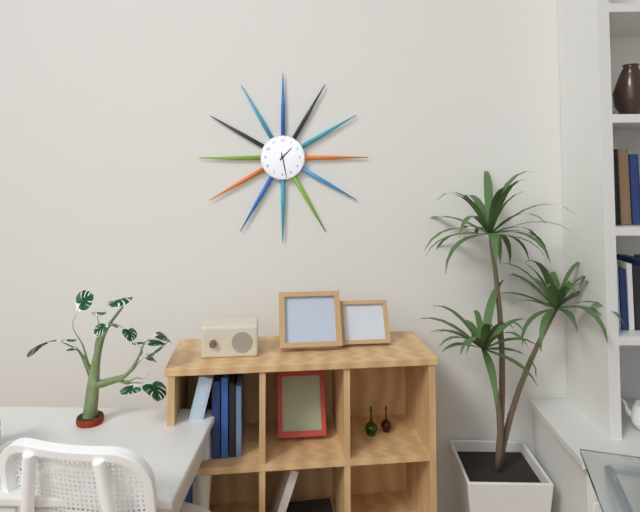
1:28
